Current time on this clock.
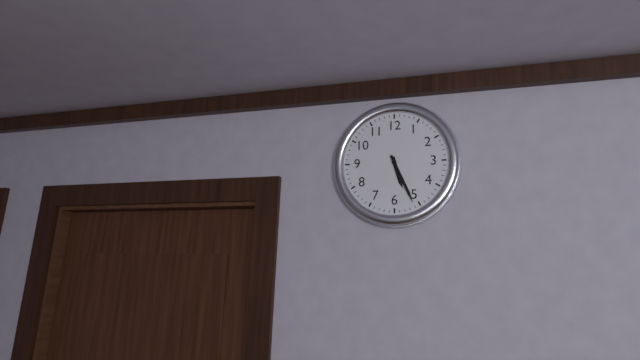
5:26
